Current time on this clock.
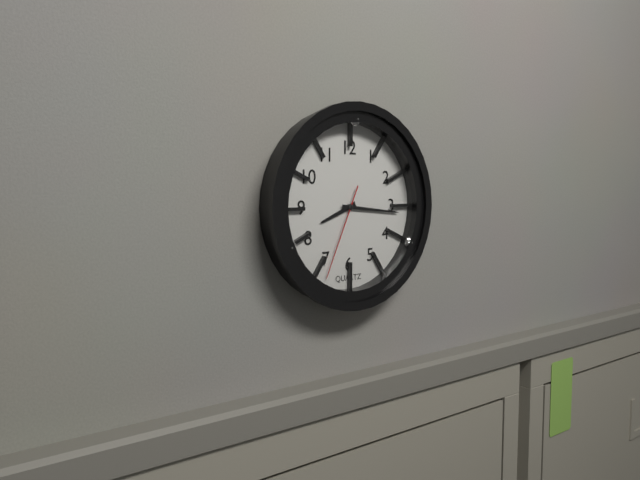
8:16:34
